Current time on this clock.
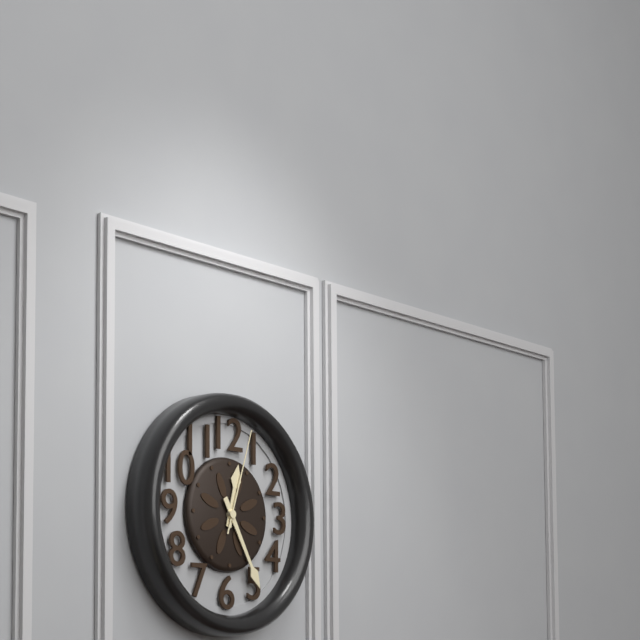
12:25:03
